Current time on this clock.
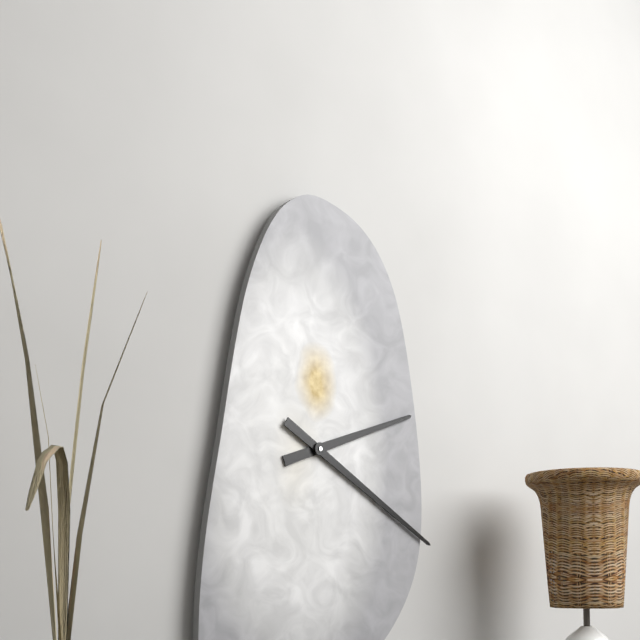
2:20
